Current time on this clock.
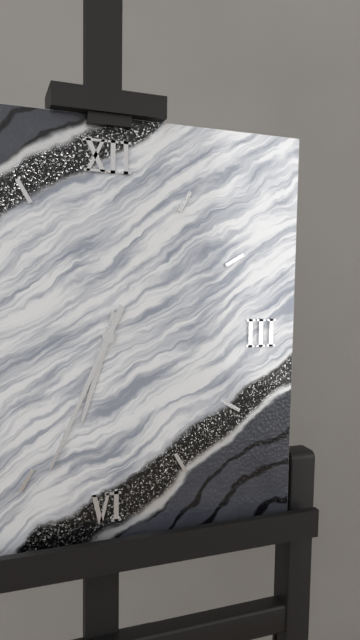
6:34
